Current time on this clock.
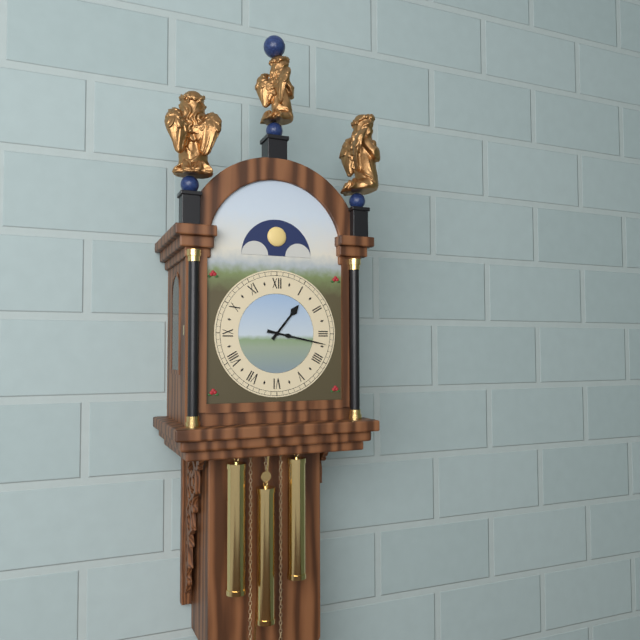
1:17
